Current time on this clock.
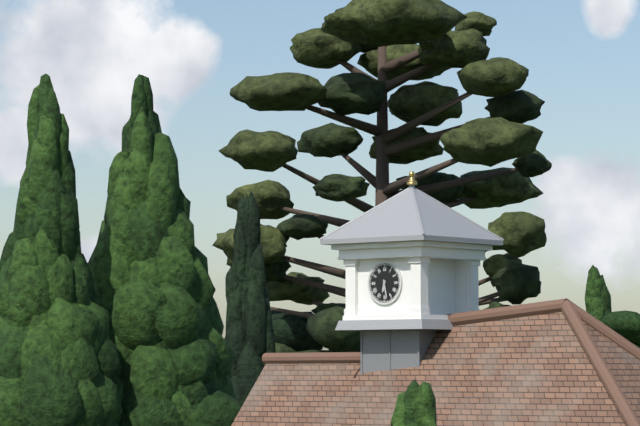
6:28
